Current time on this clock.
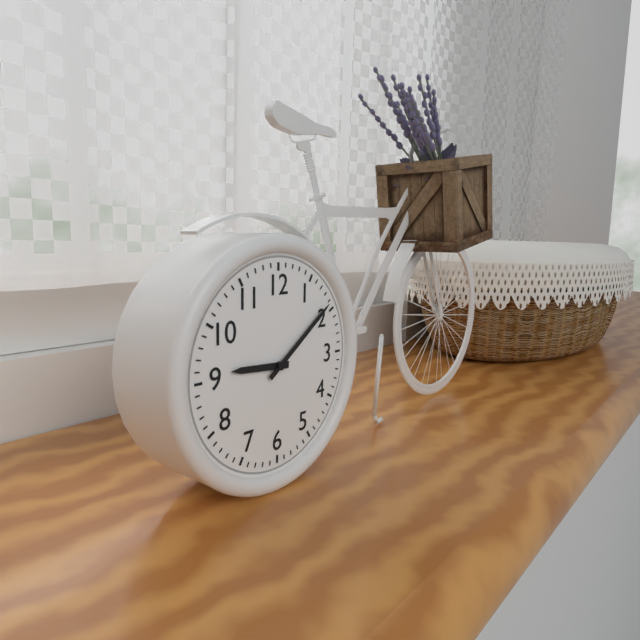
9:09
